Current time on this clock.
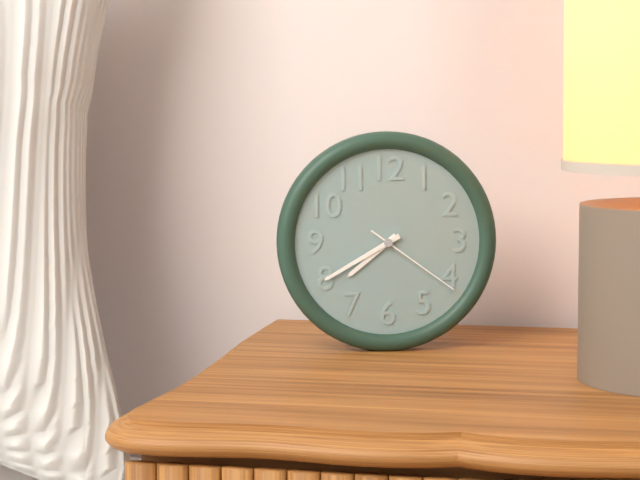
7:40:21
